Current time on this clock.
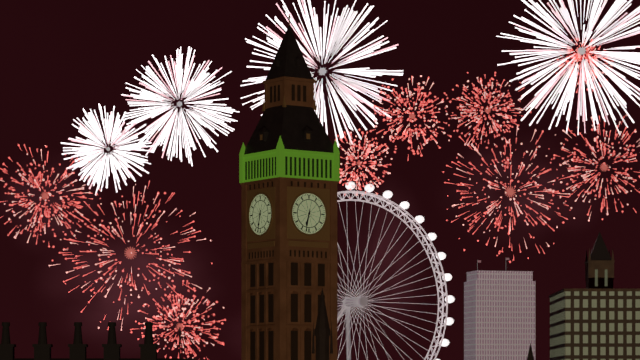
6:32
